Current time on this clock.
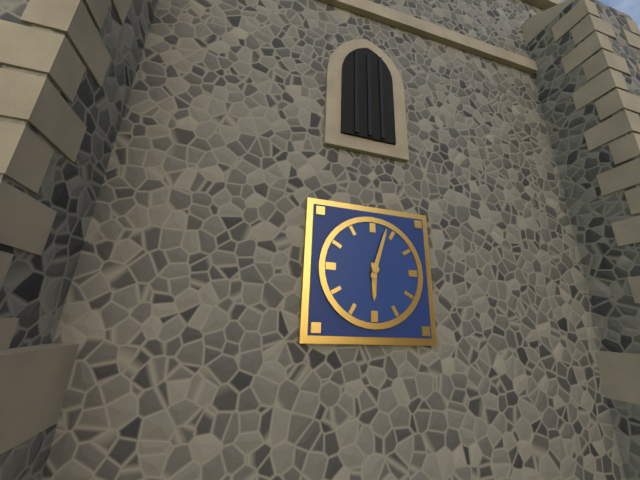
6:03
